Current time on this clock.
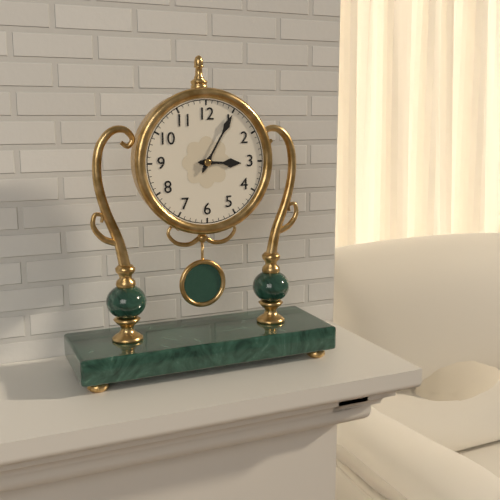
3:05
